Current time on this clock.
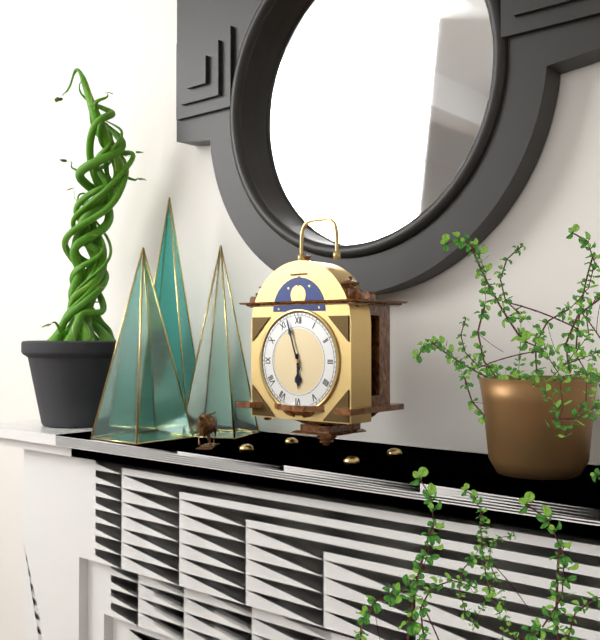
5:57
